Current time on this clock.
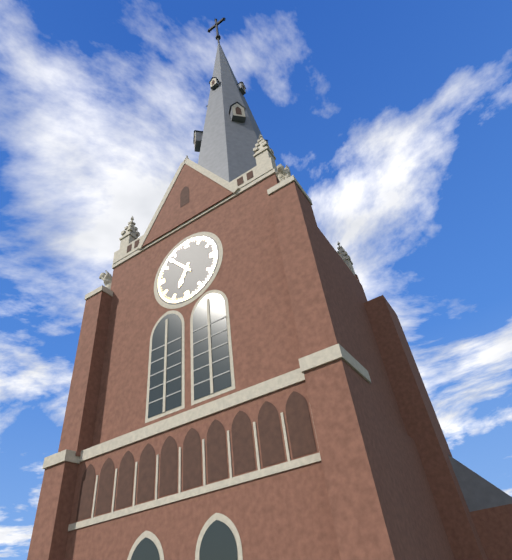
6:53
